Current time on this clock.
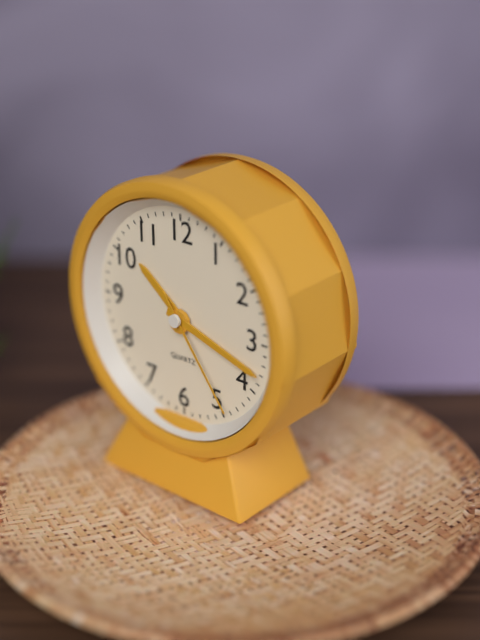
10:18:24
